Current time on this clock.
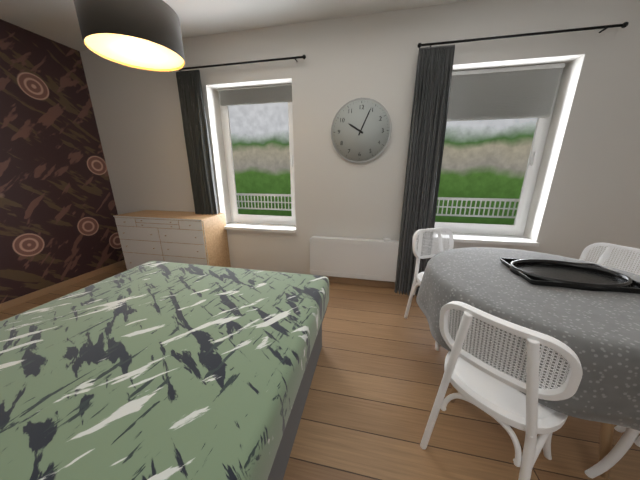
10:04
